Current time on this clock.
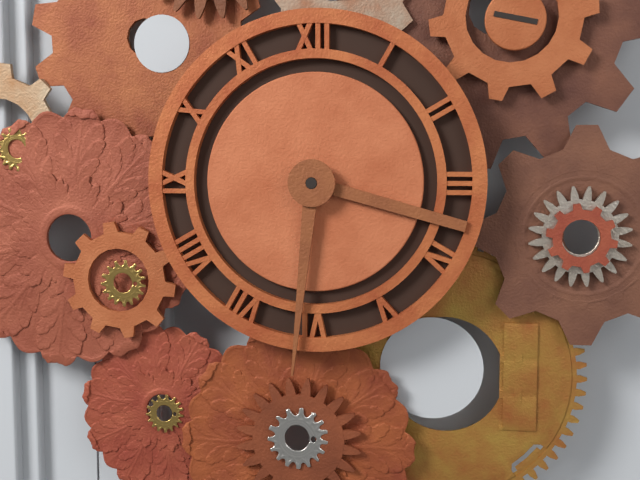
3:31
